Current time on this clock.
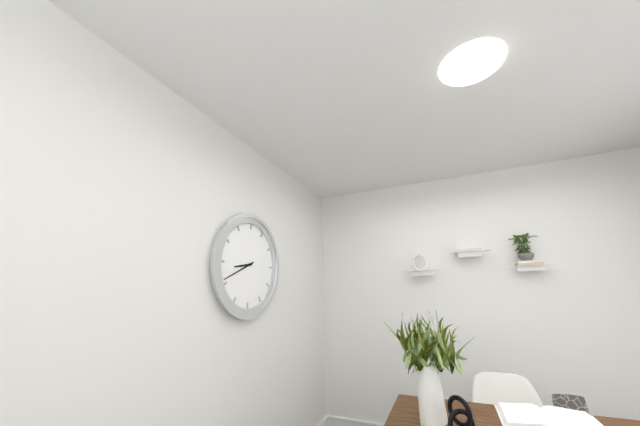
8:41
